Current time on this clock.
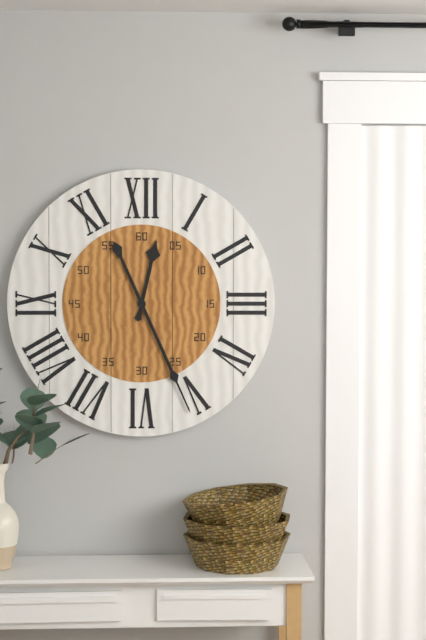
12:26
